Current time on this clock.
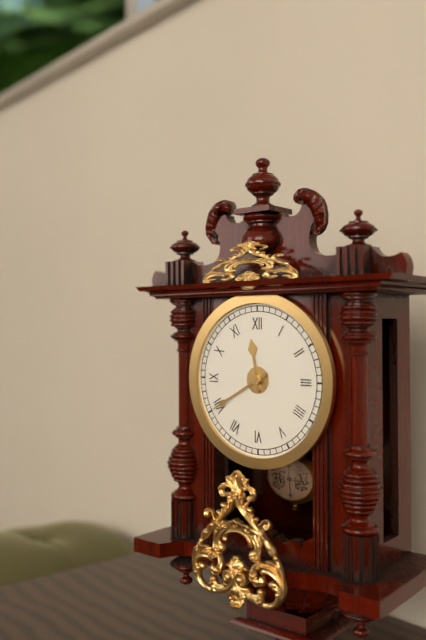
11:40
